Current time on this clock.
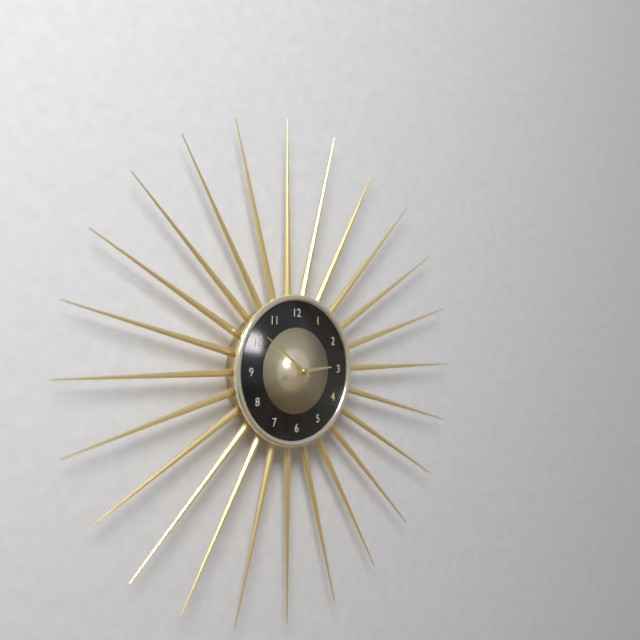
2:51
